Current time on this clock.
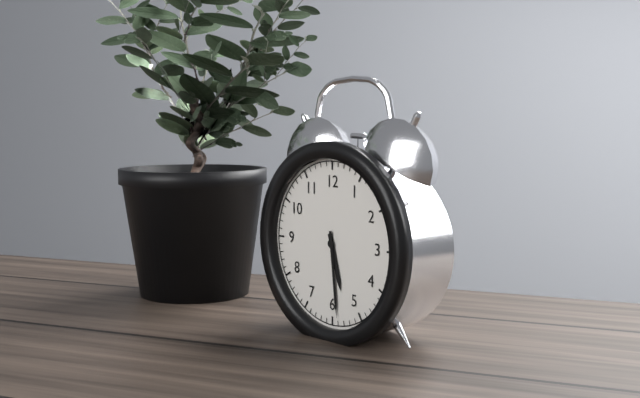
5:29
